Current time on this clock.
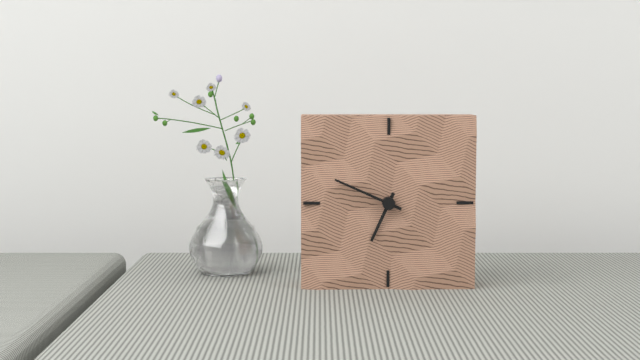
6:49
